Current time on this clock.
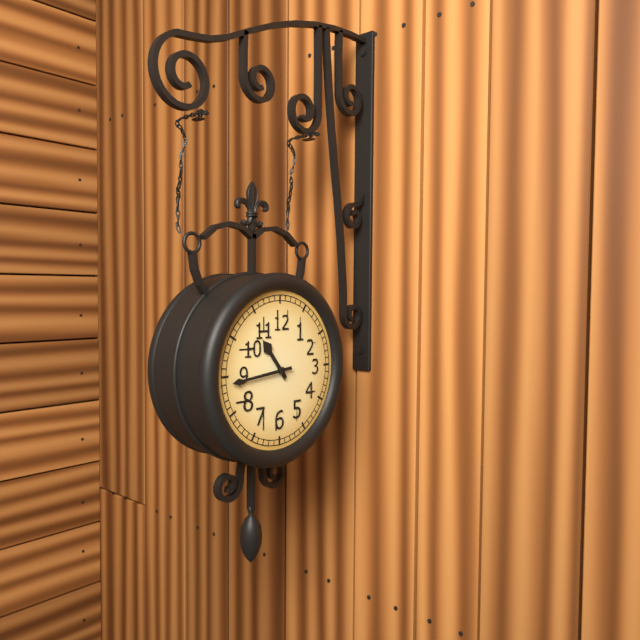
10:44
